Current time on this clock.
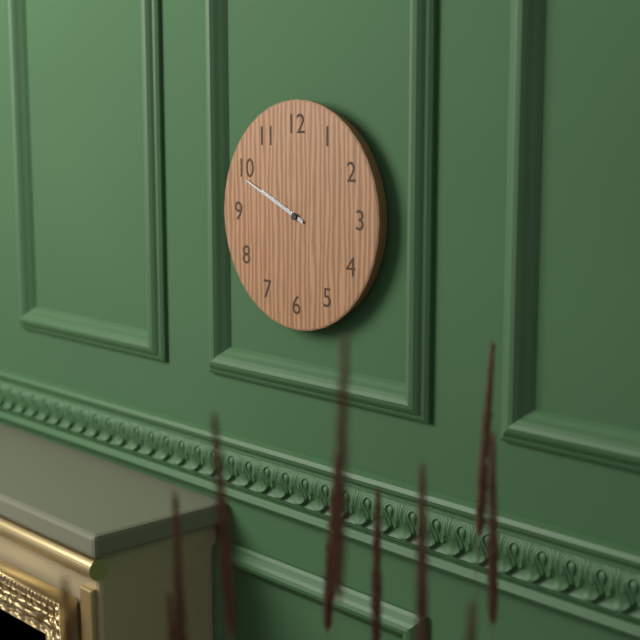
9:49
